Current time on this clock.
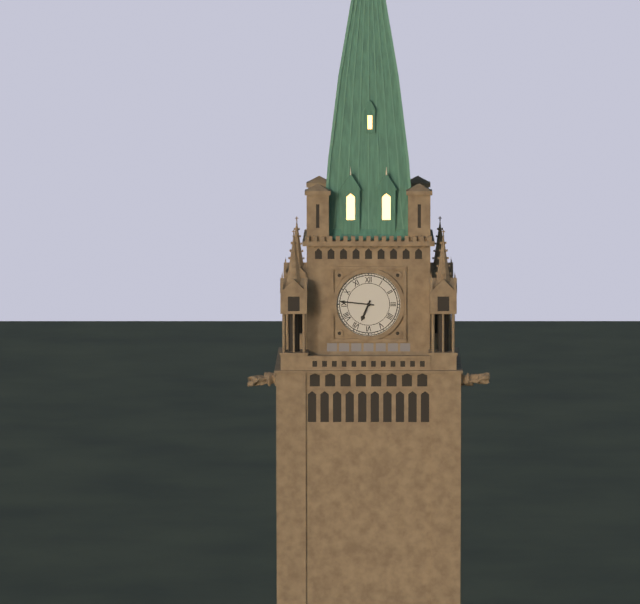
6:46
